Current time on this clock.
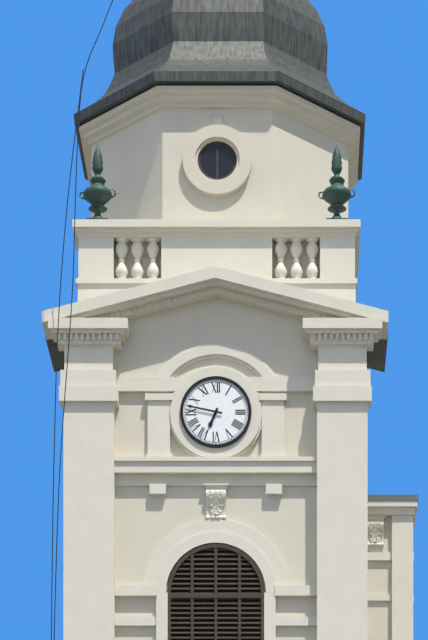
6:47
